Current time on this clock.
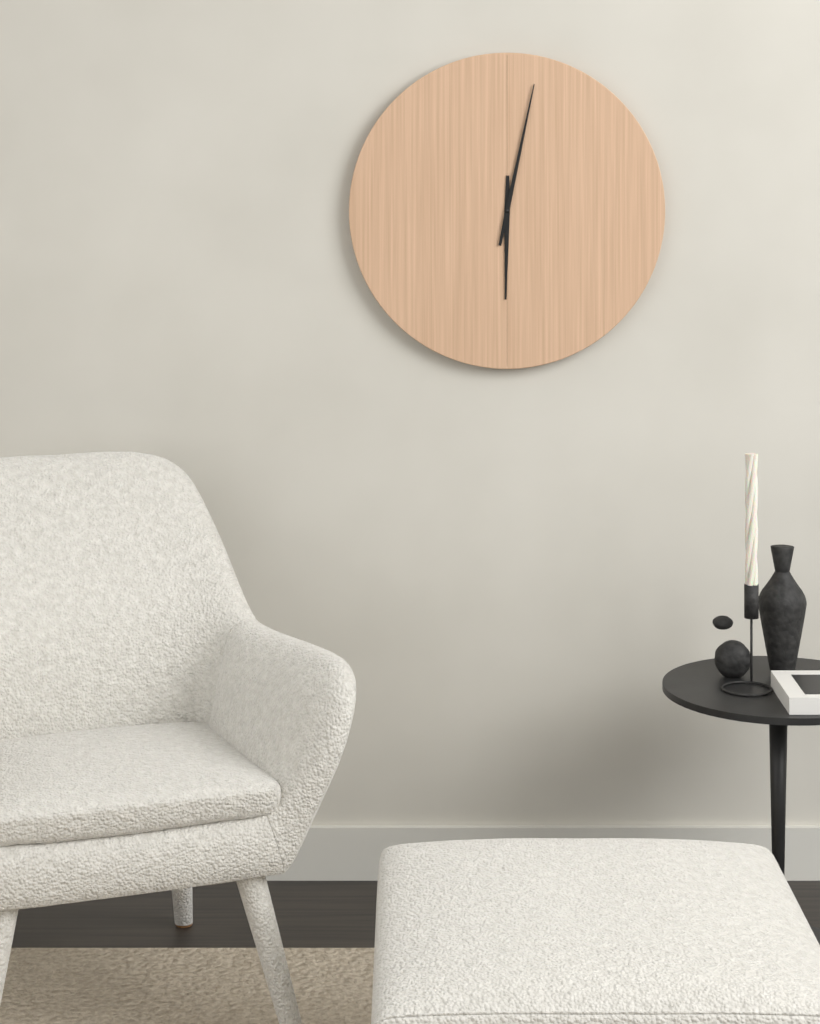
6:02
